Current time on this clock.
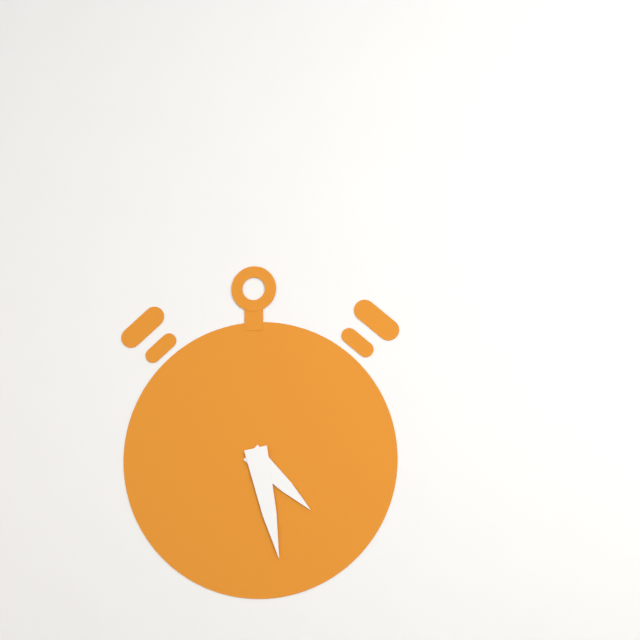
4:28
